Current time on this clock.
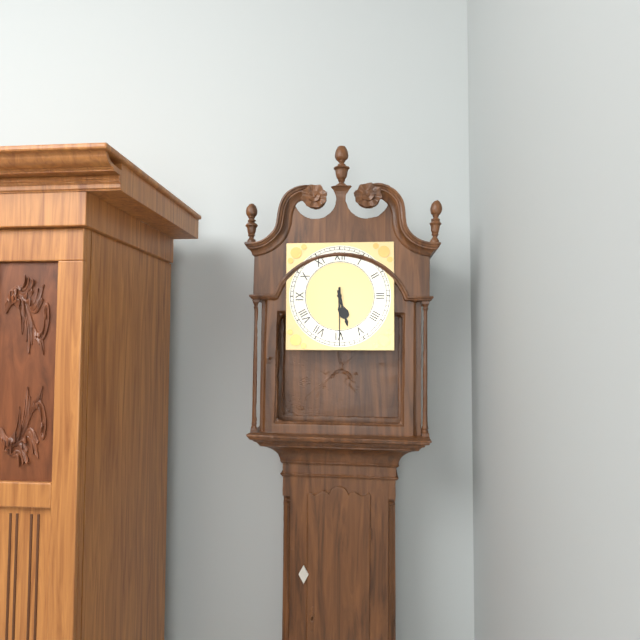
5:30
